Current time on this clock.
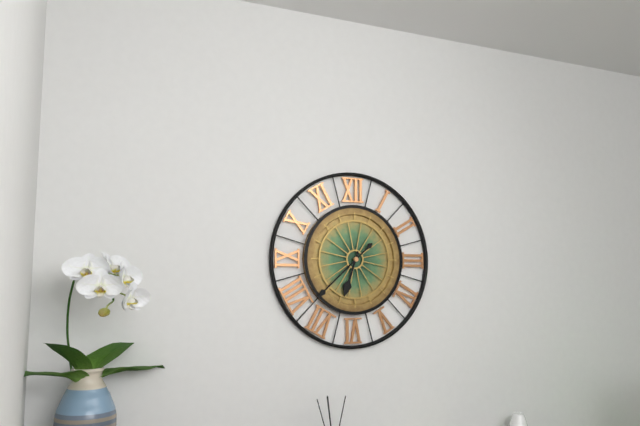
6:38
